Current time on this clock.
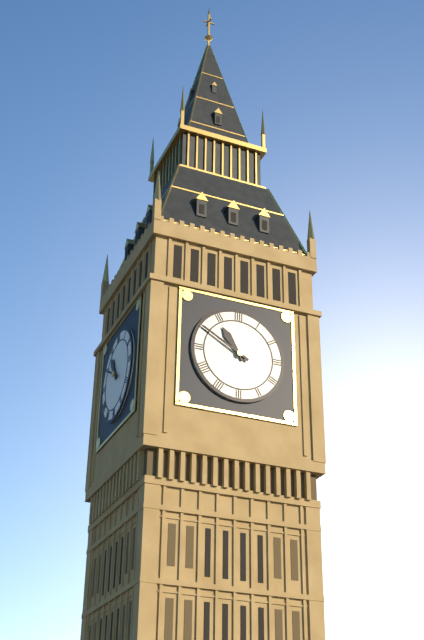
10:50
